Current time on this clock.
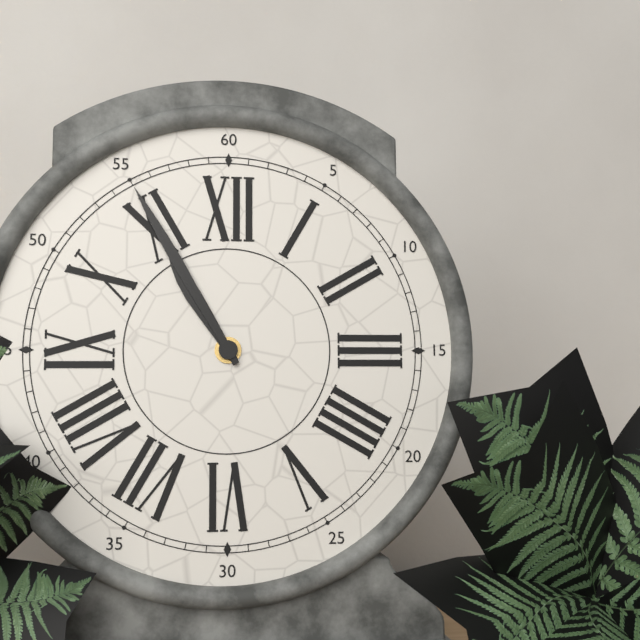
10:55
